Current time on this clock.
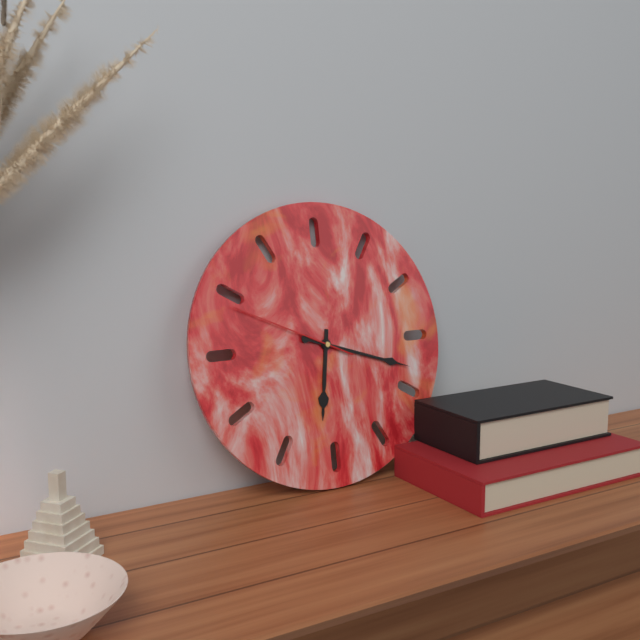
6:18:49
